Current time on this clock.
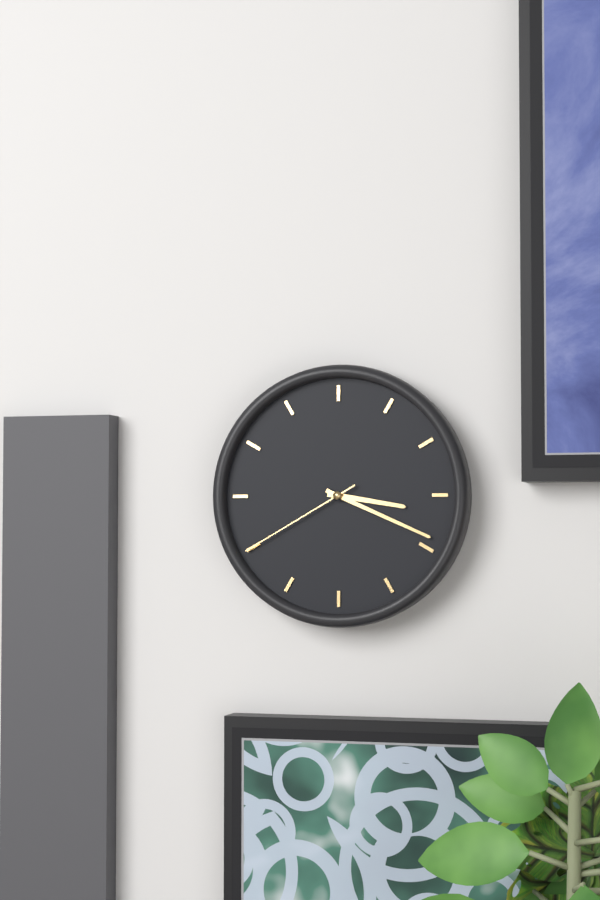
3:19:40
